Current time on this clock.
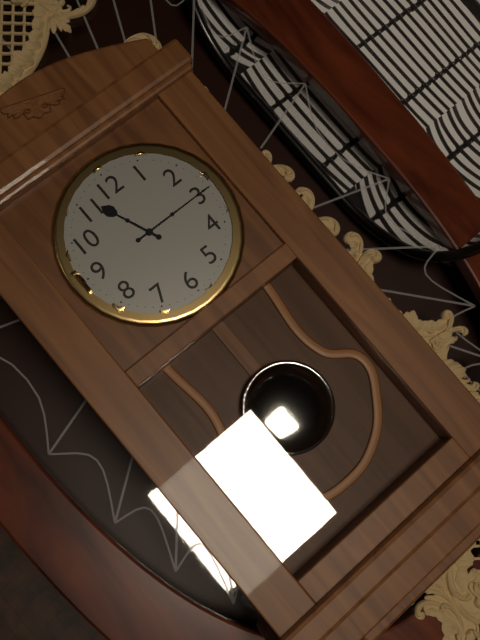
11:15
